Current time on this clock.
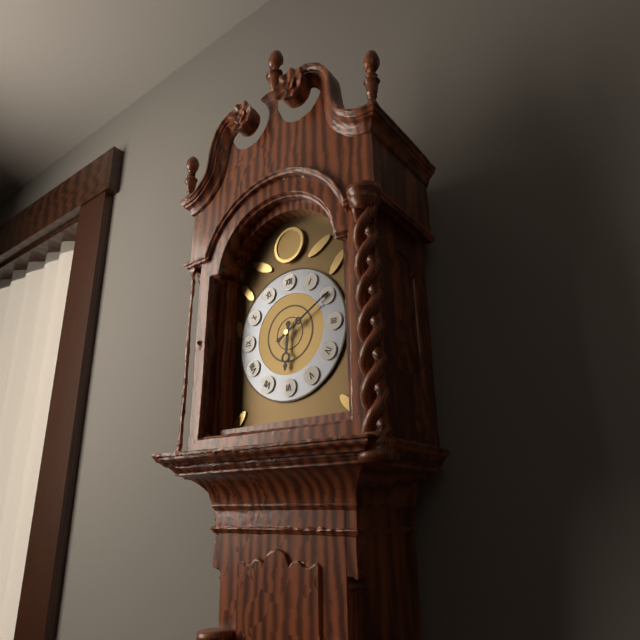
6:10
